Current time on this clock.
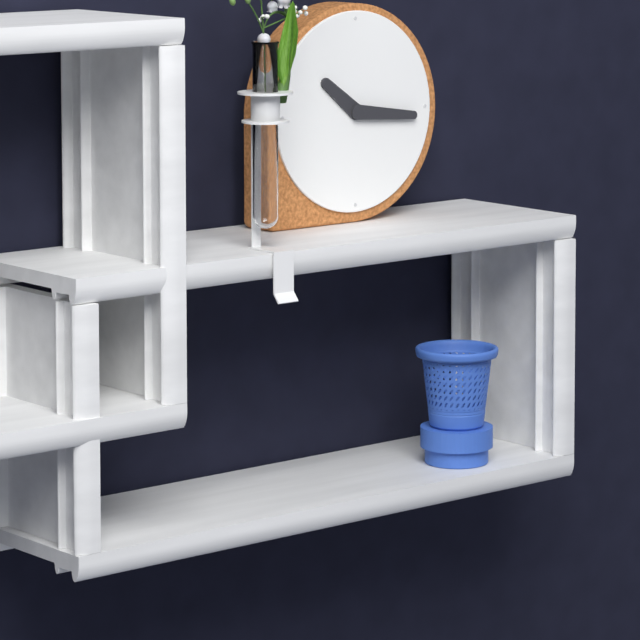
10:16
